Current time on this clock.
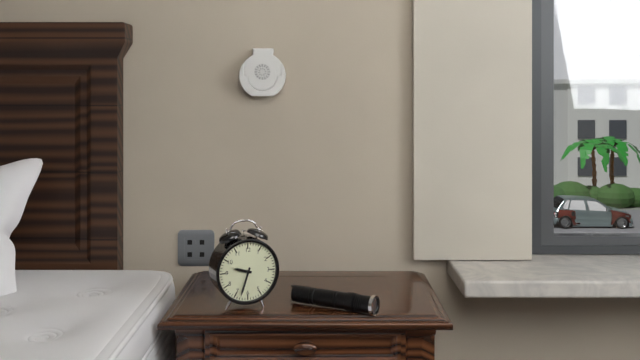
9:33
